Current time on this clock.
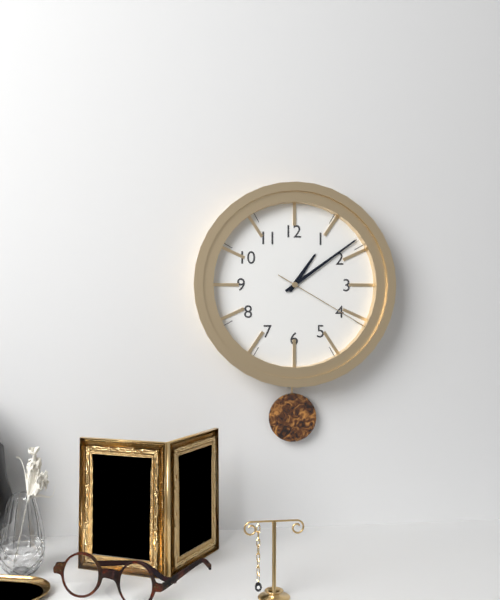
1:09:20
